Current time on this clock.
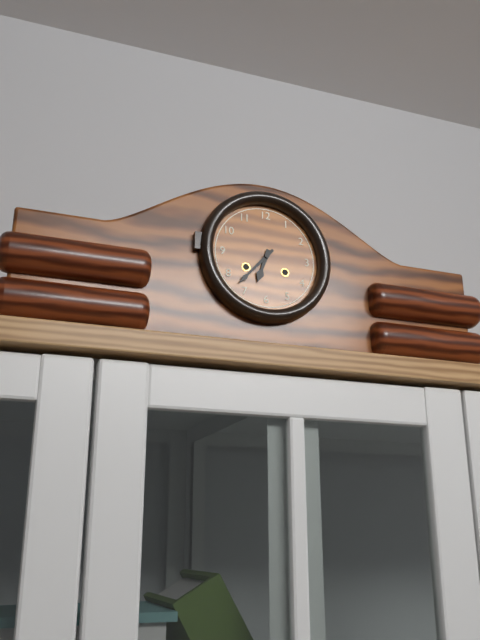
6:37
